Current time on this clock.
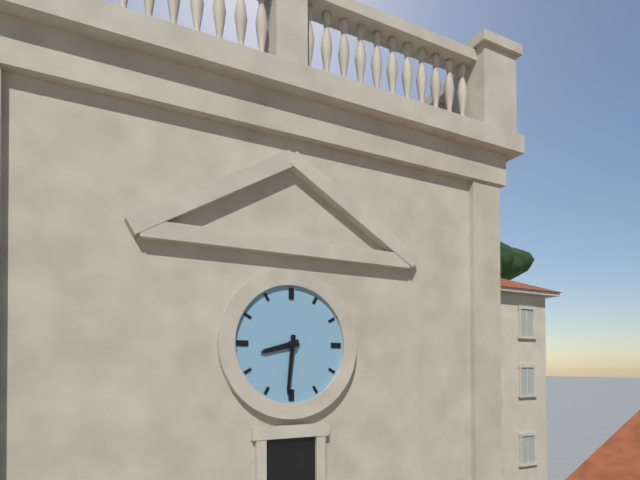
8:31
